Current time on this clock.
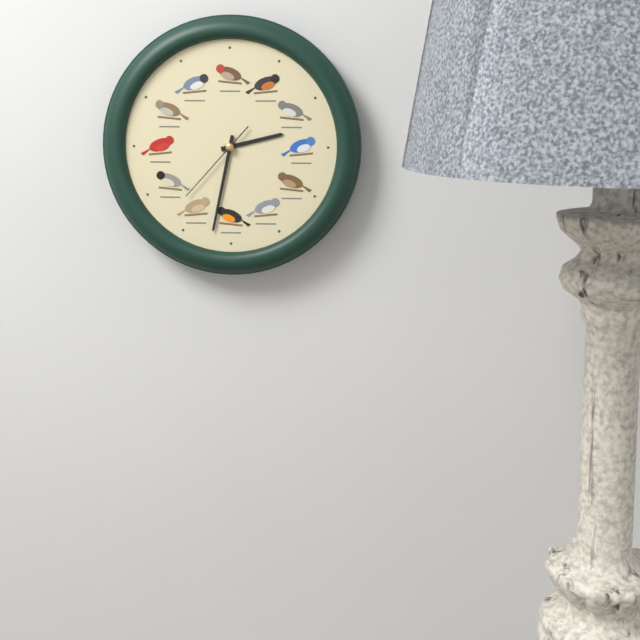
2:32:37
